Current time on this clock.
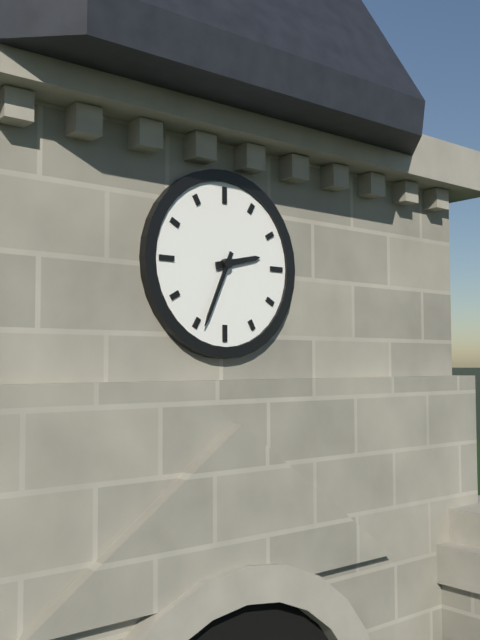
2:34
